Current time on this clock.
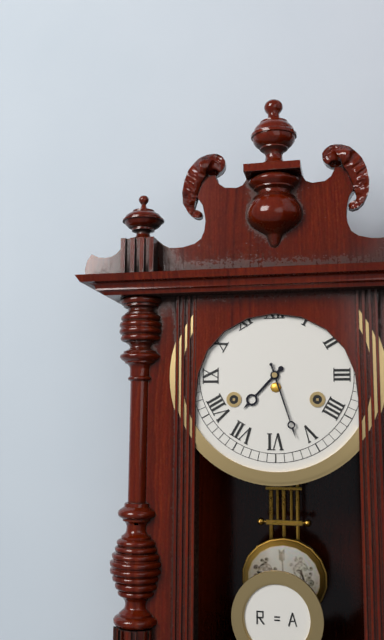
7:27
